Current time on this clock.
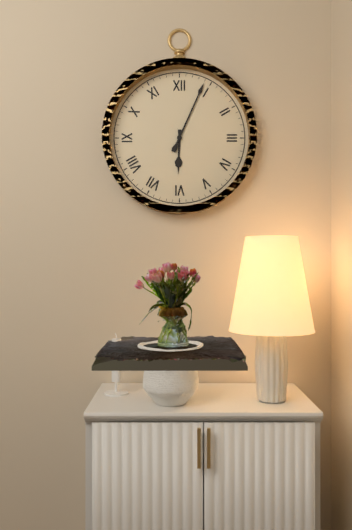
6:04
